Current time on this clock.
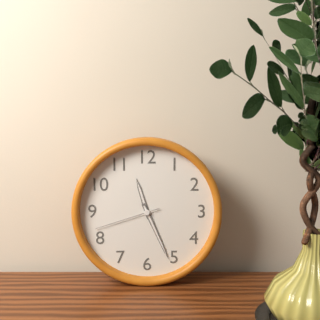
11:26:42
